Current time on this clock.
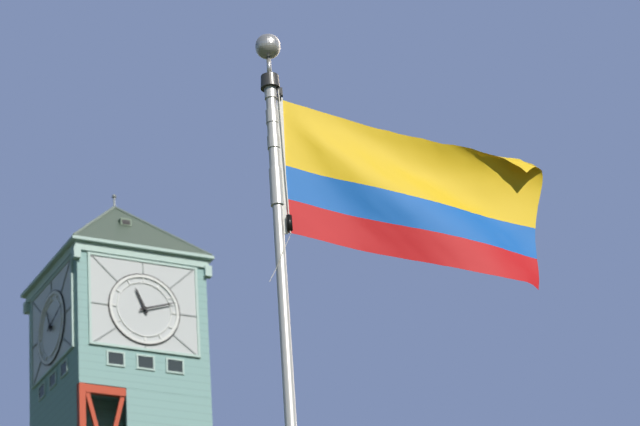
11:12
